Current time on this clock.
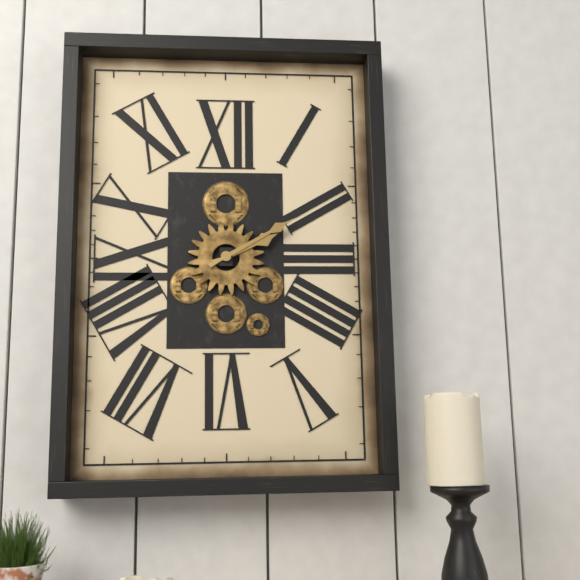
2:10
